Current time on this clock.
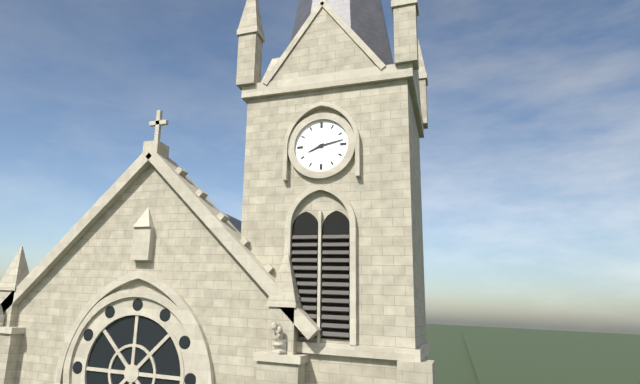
8:13
